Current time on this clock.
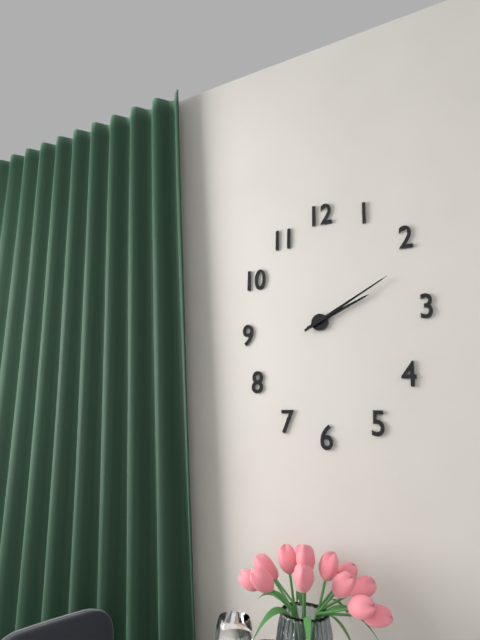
2:10
